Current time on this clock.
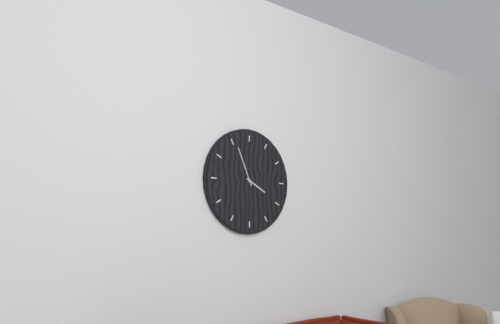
3:56
